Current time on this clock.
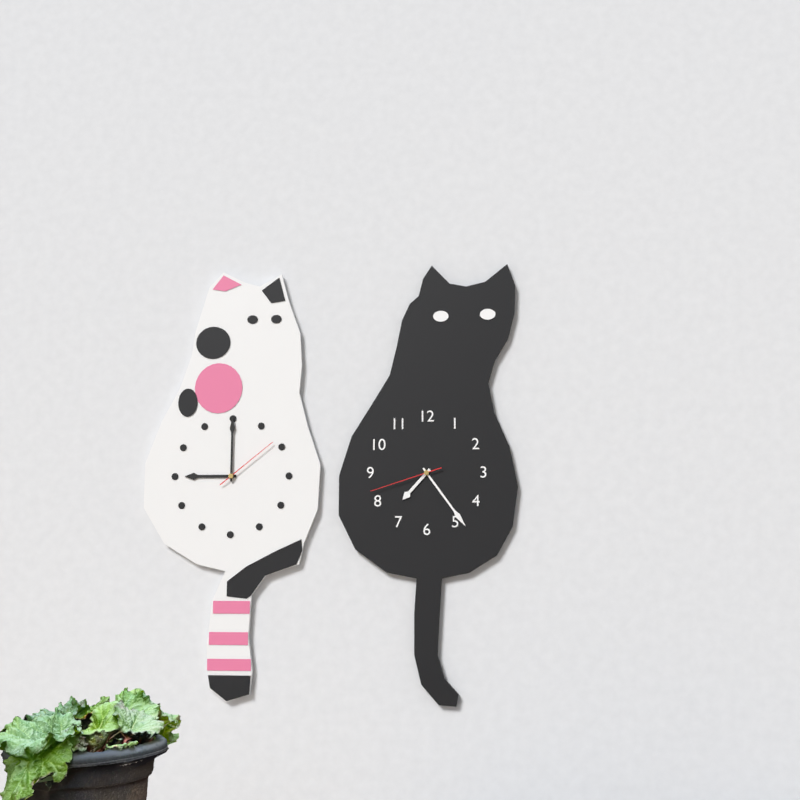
7:24:42
